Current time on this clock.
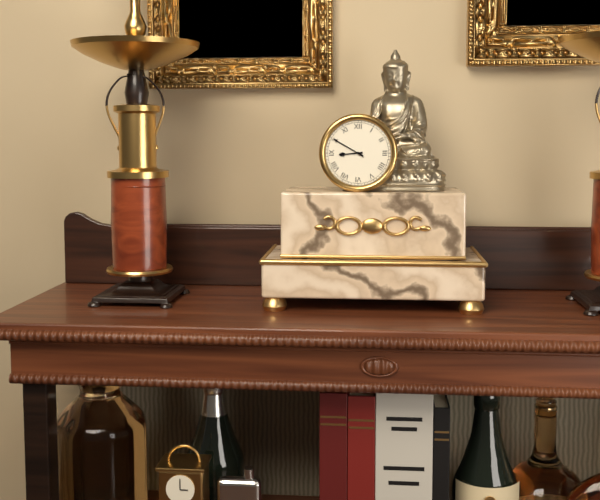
8:50
